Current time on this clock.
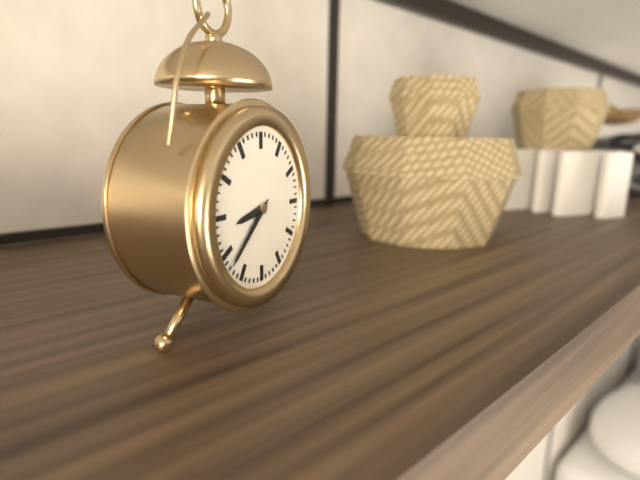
8:38
